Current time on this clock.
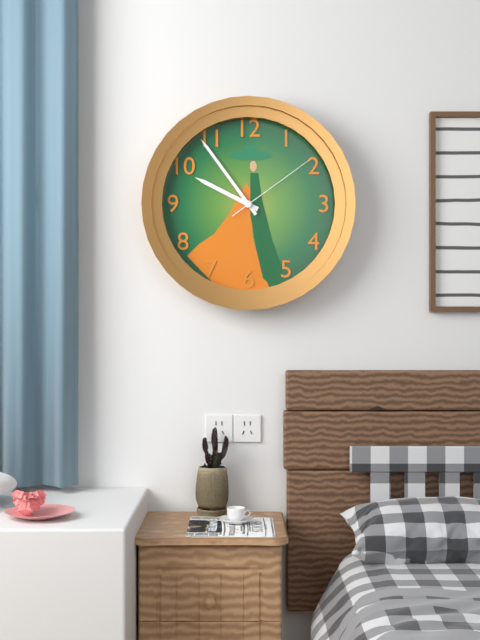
9:54:09
